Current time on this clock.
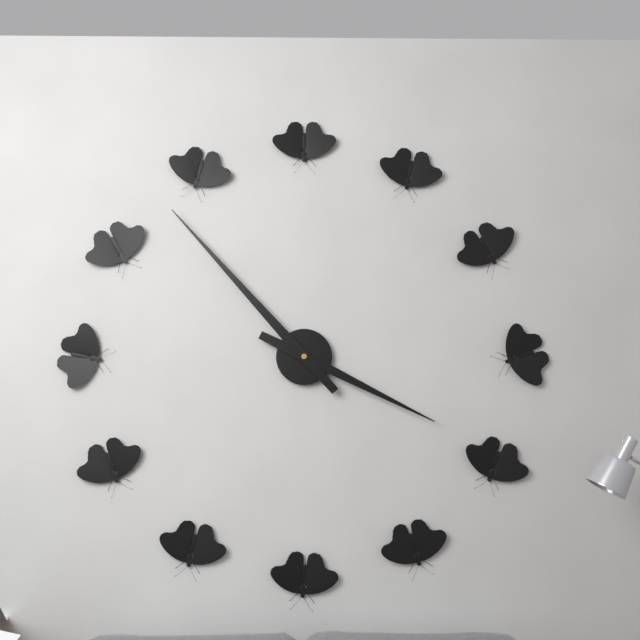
3:53
